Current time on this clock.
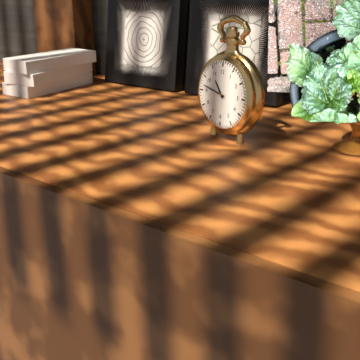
10:47
